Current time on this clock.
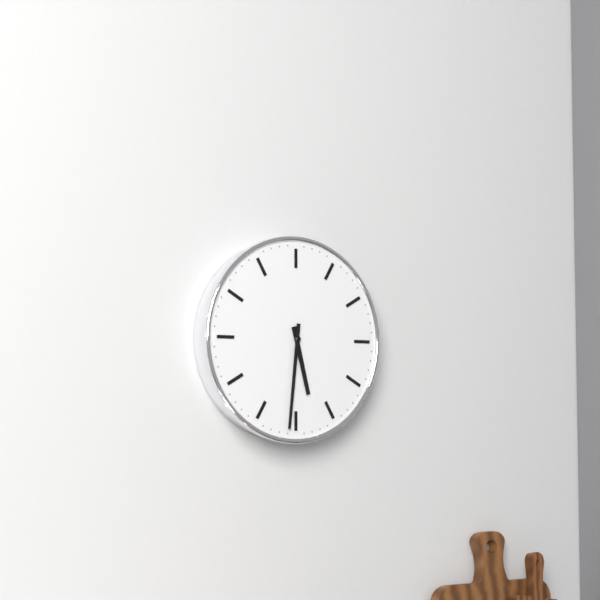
5:31
